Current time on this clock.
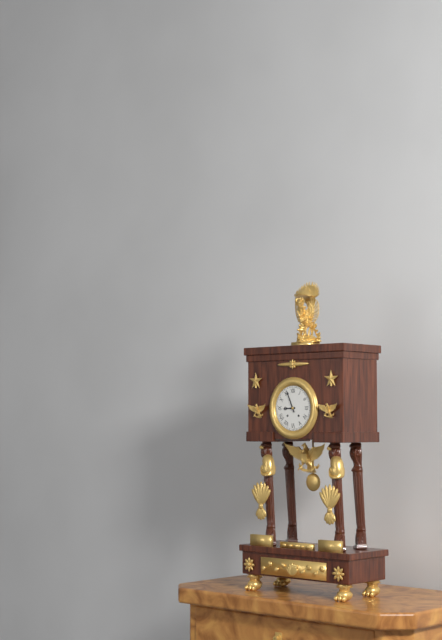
8:56
